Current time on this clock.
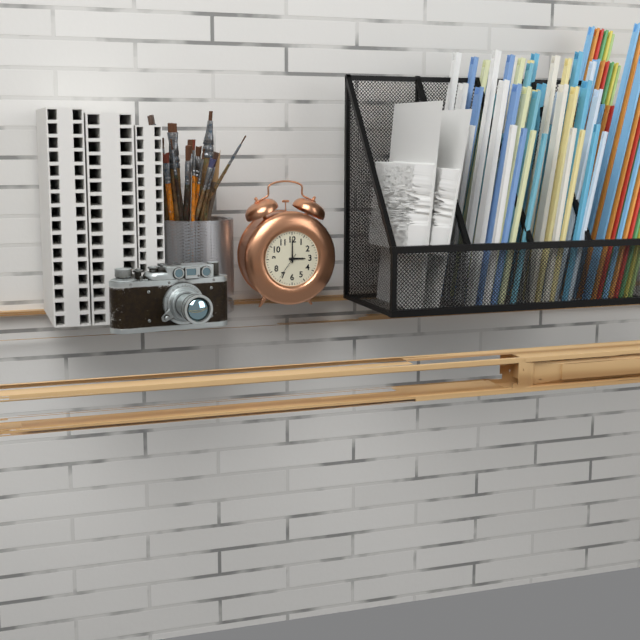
3:00
